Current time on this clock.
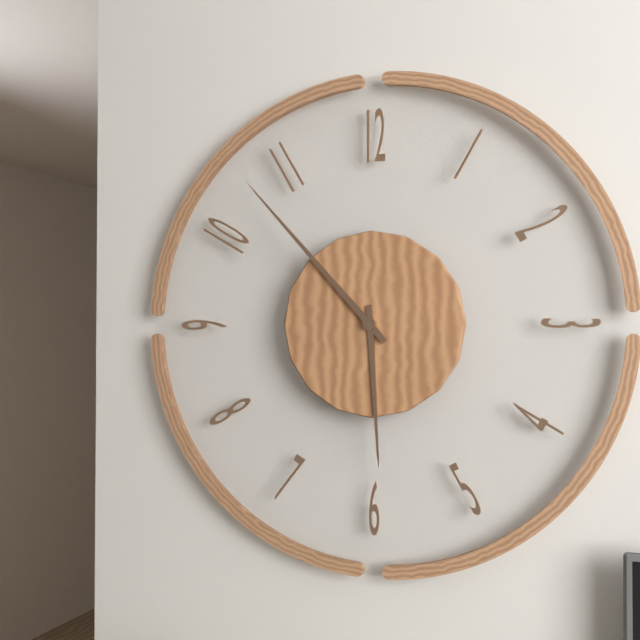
5:53
